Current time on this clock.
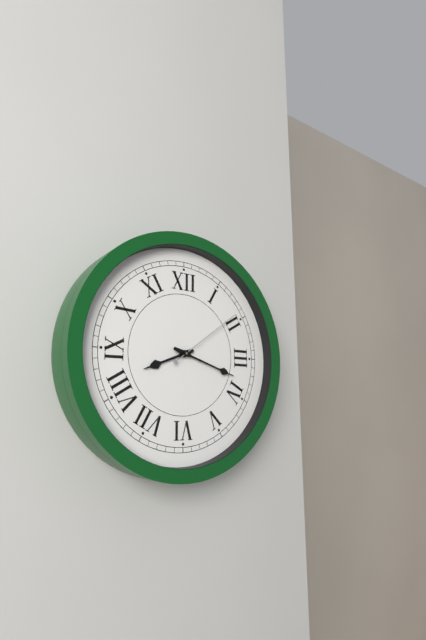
8:18:09
